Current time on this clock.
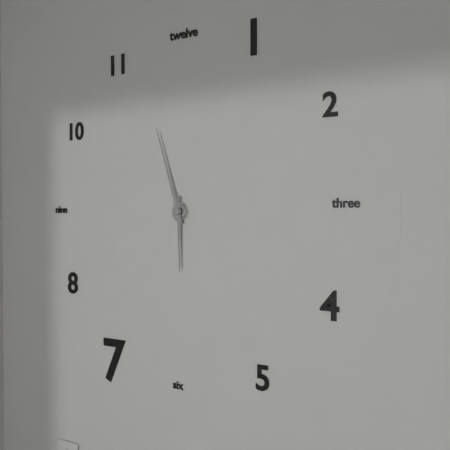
5:57
